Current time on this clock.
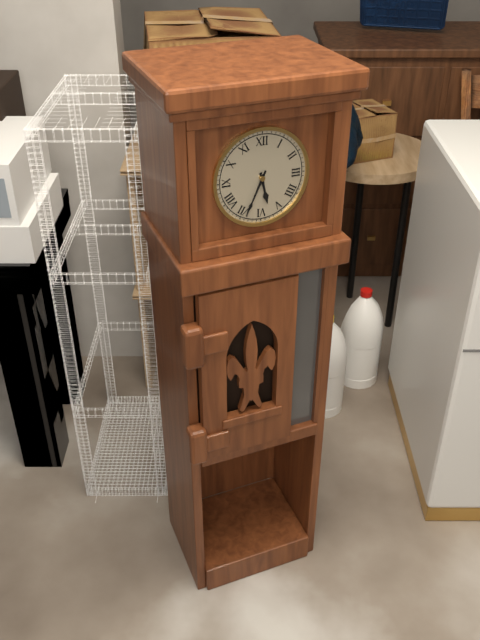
5:34
